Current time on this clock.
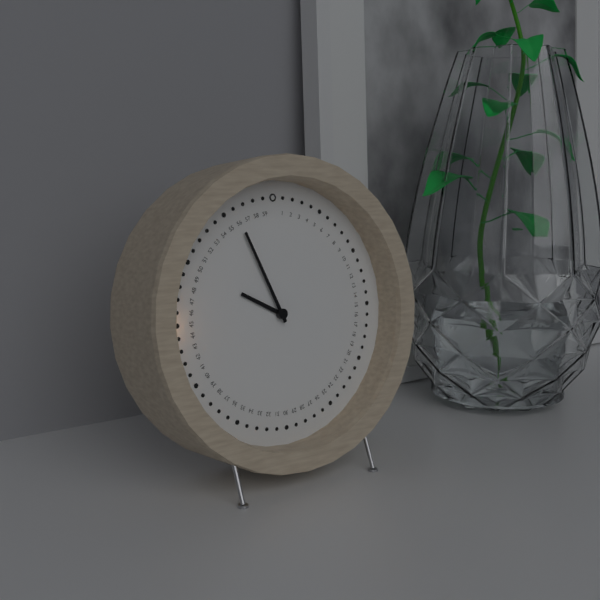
9:56
